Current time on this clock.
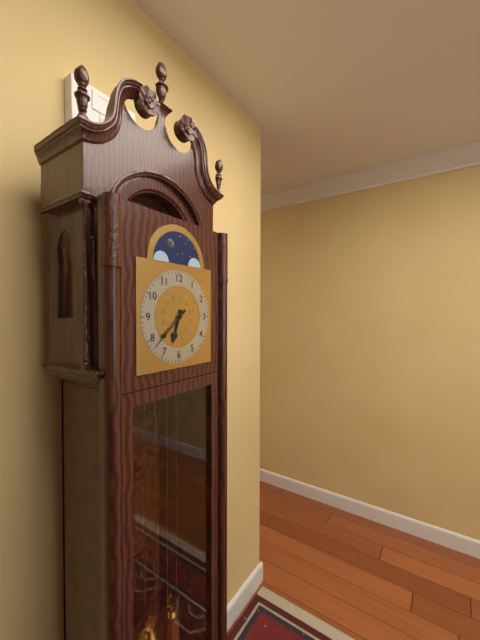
6:38
